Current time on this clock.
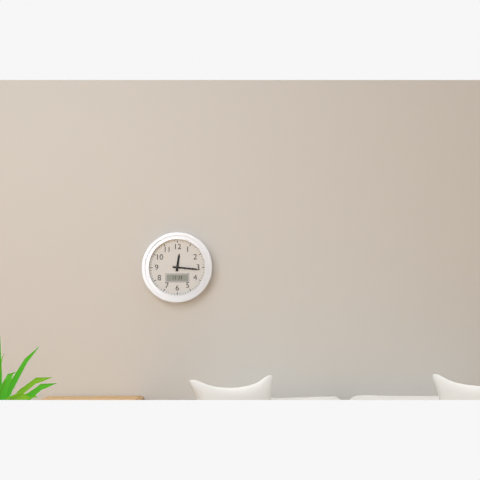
12:16
